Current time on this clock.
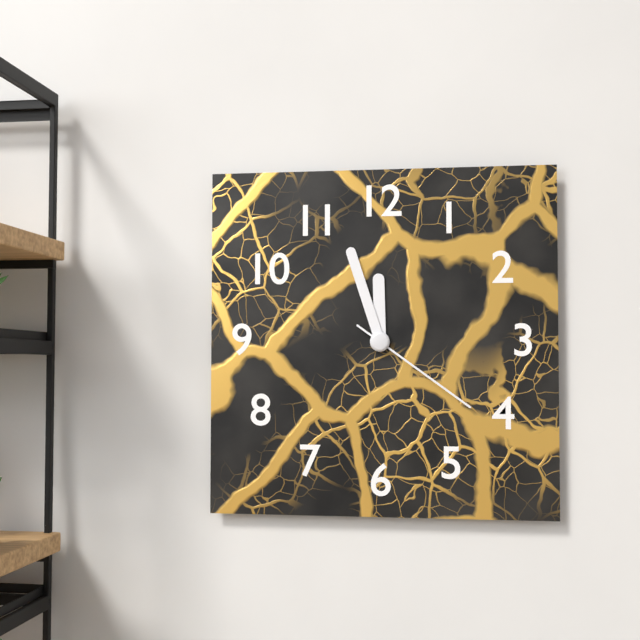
11:57:21
